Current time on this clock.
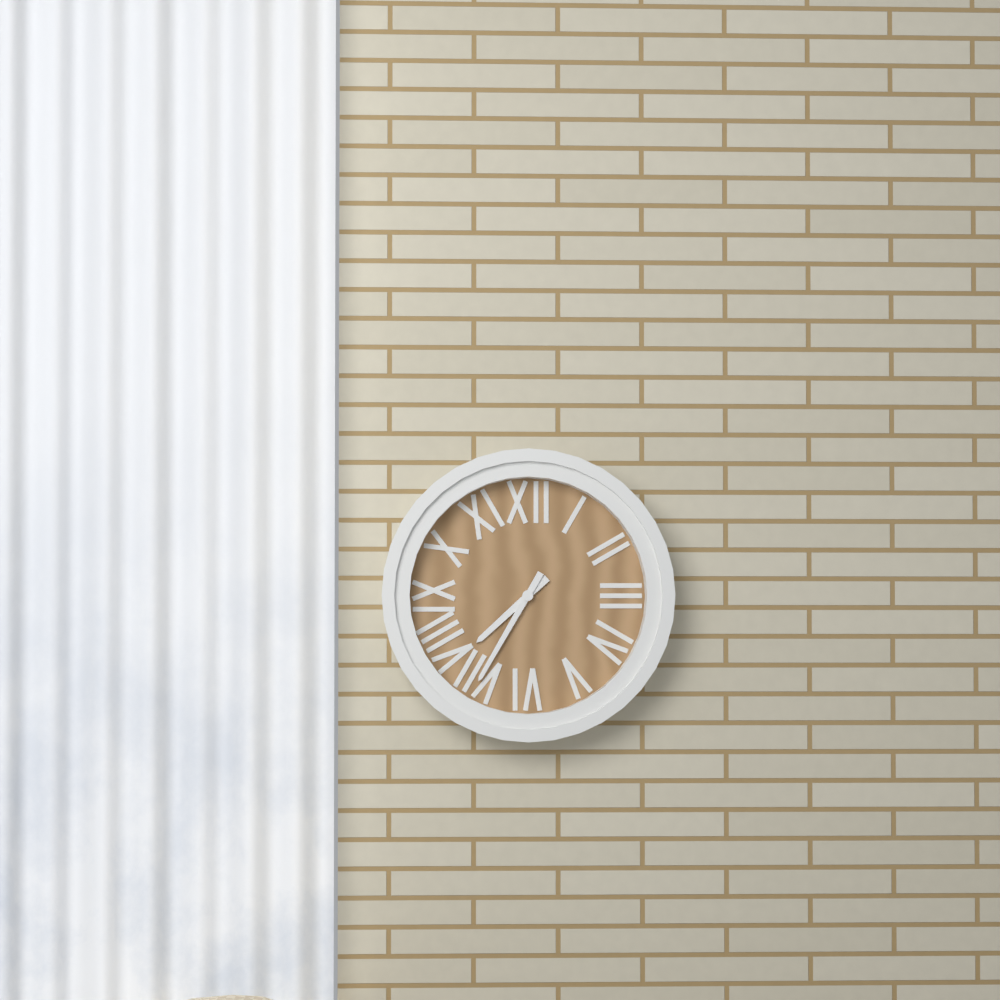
7:35
